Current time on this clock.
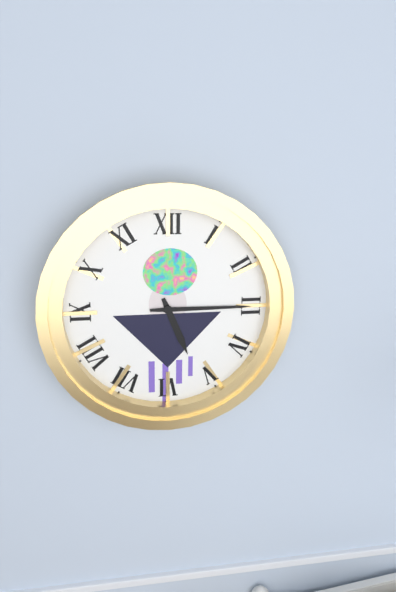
5:15
